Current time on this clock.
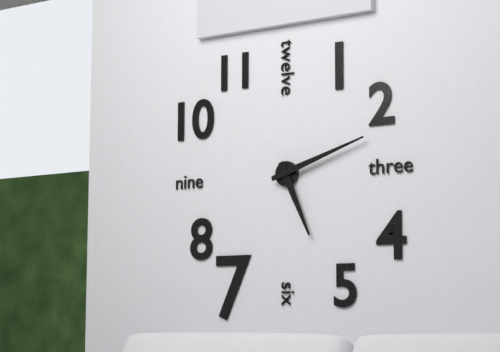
5:12
